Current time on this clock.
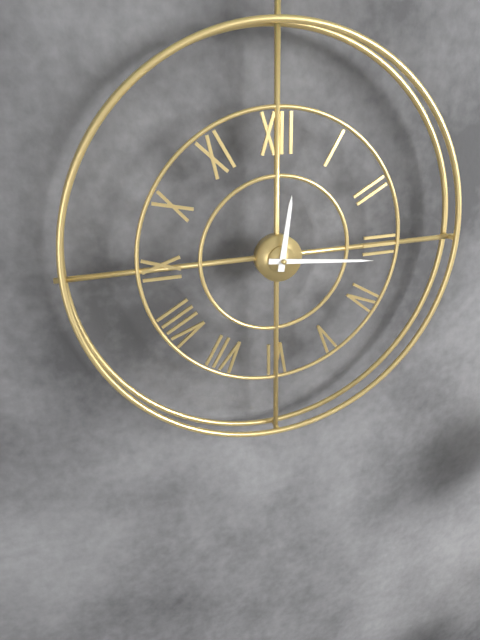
12:16
